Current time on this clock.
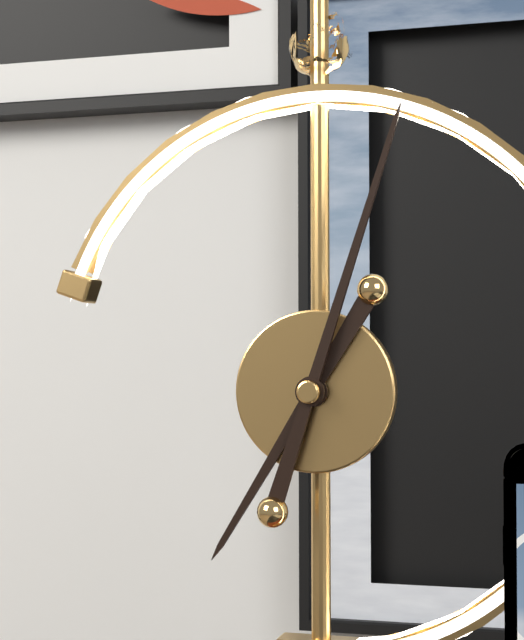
7:03
